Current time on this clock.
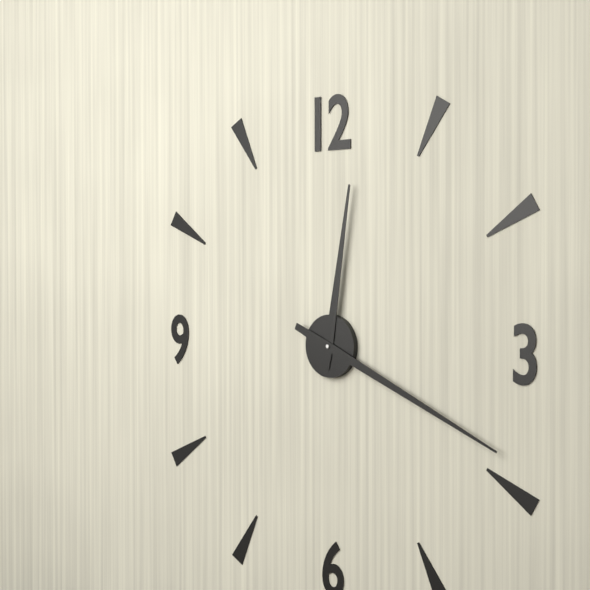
12:19
